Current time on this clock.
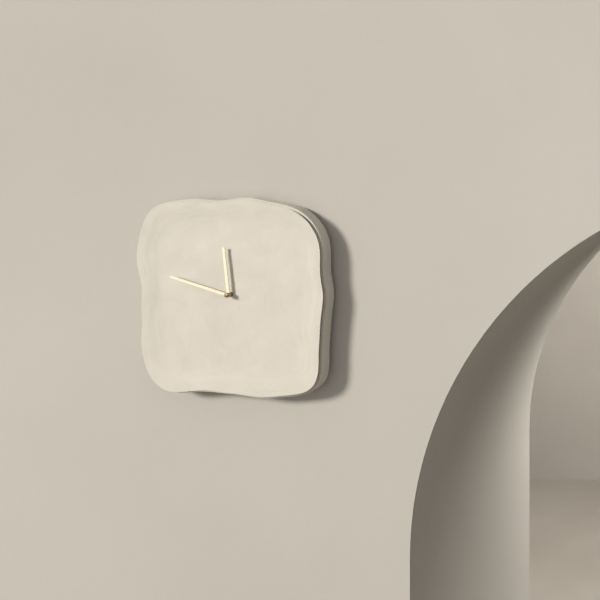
11:48
